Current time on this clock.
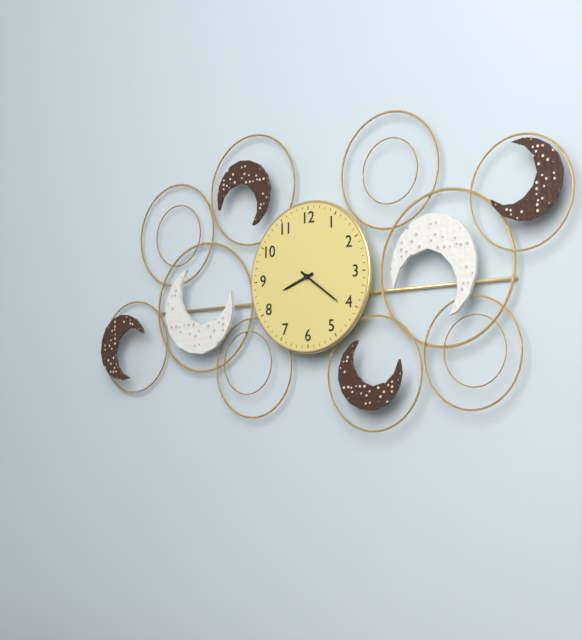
8:21
